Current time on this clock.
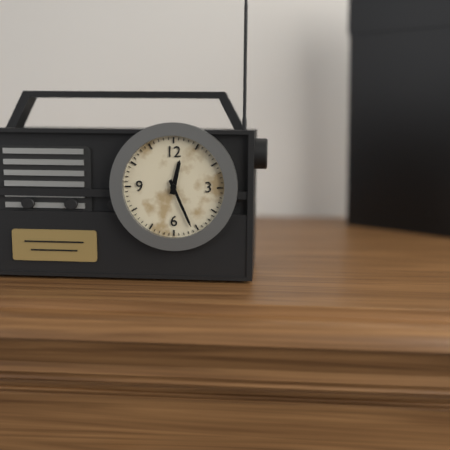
12:26
